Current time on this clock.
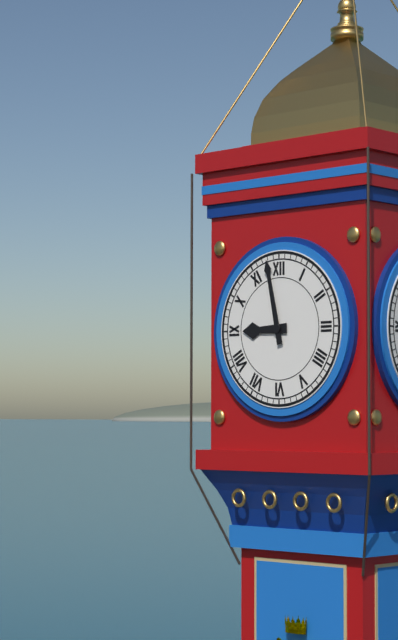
8:58
